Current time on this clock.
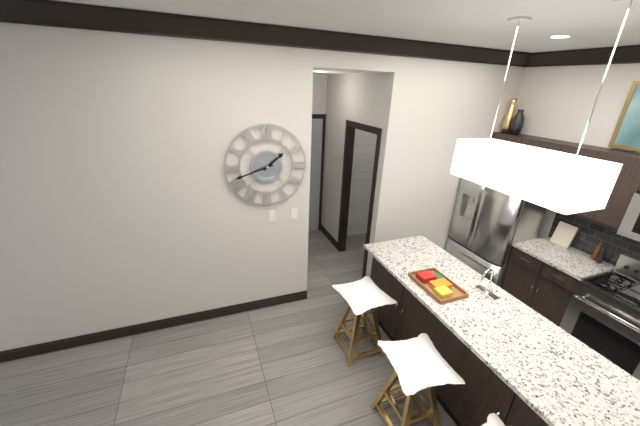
1:42
